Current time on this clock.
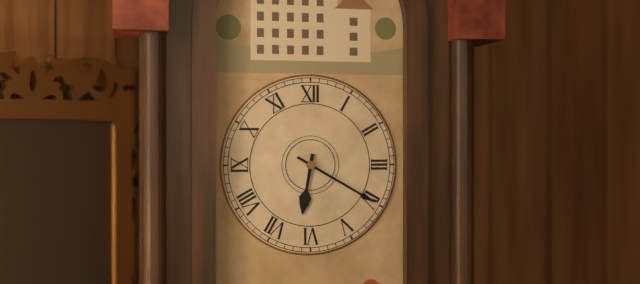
6:20
